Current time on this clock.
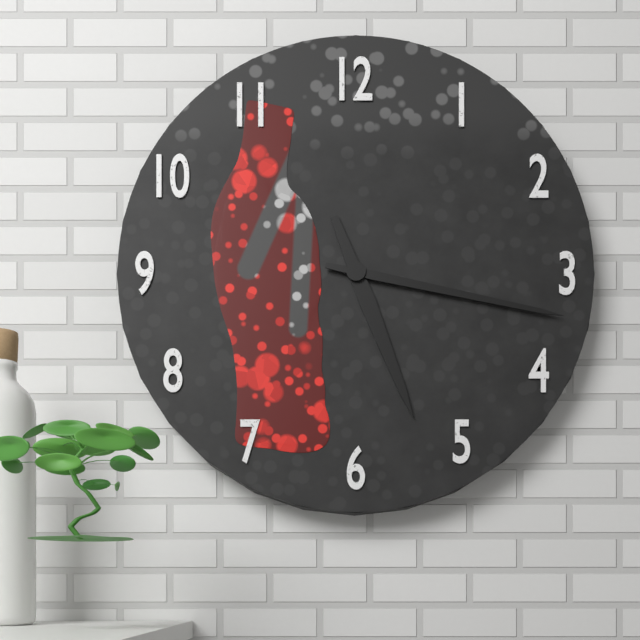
5:17
